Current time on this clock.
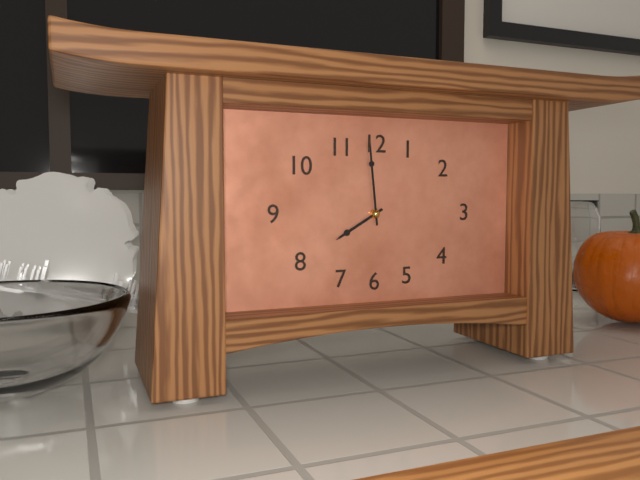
7:59
